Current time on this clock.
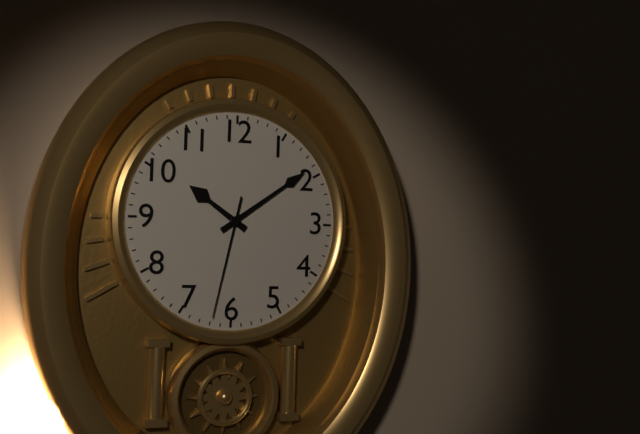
10:09:32
